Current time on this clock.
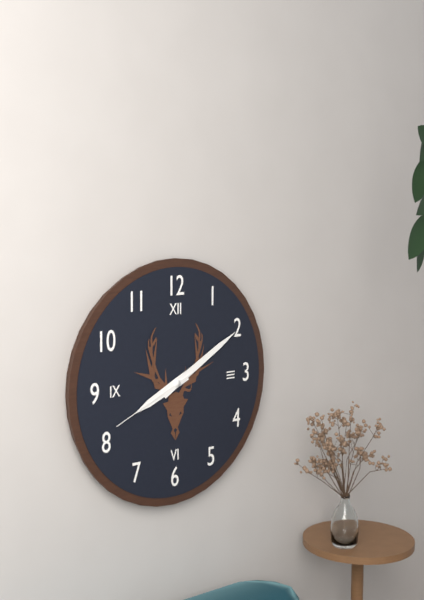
8:10:41
